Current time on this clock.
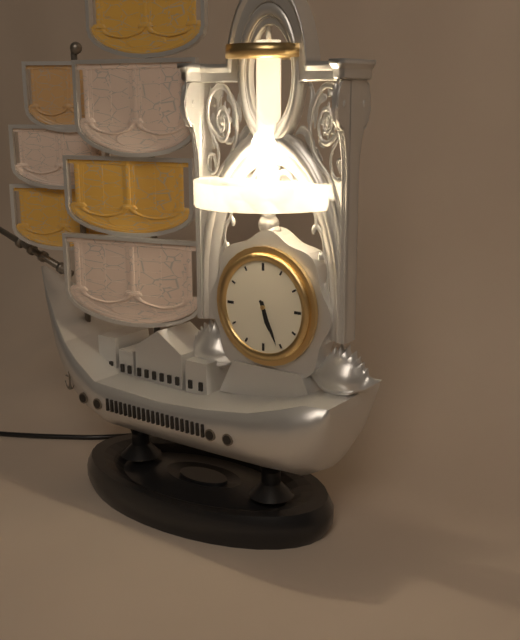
5:26
